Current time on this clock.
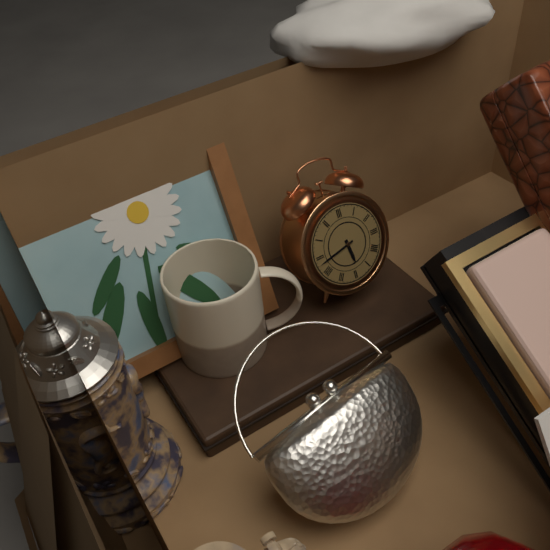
5:43
